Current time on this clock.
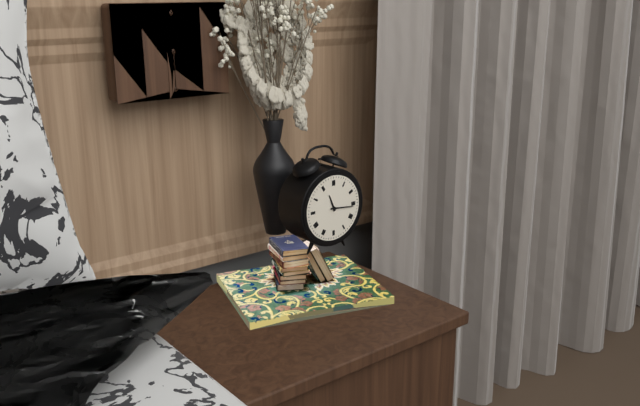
11:16
